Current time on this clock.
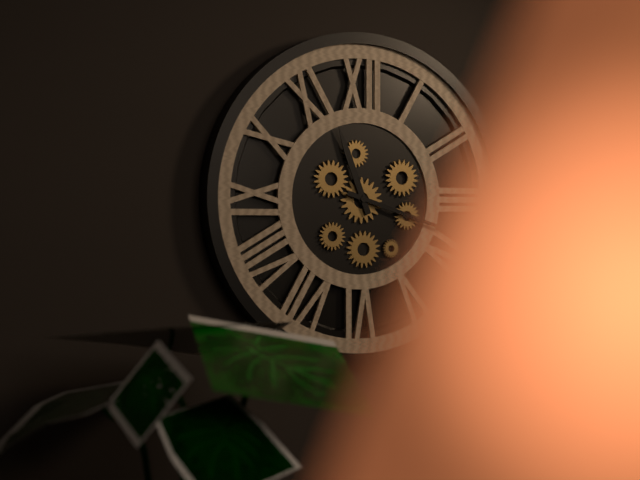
11:18
